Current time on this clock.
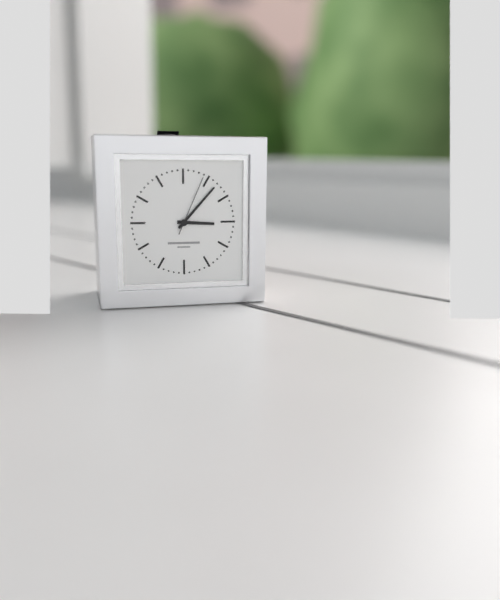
3:07:04
